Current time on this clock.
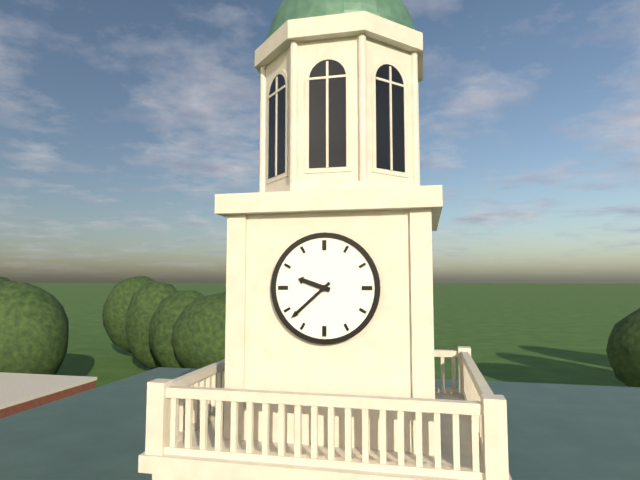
9:38
